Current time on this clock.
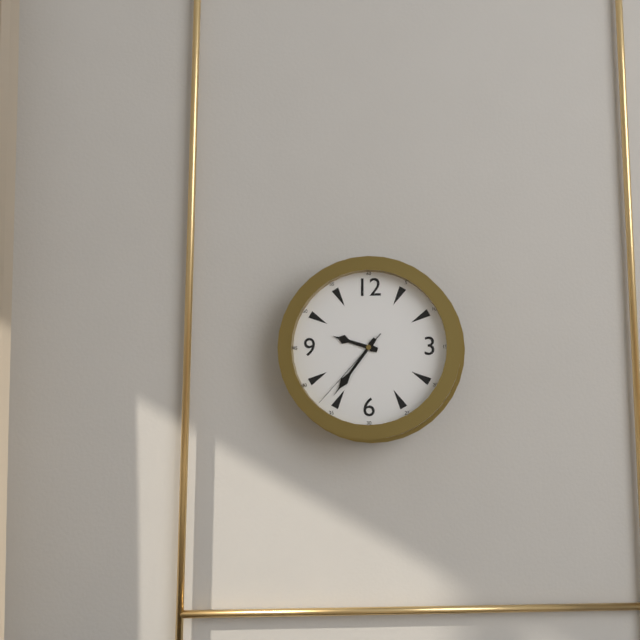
9:36:37
